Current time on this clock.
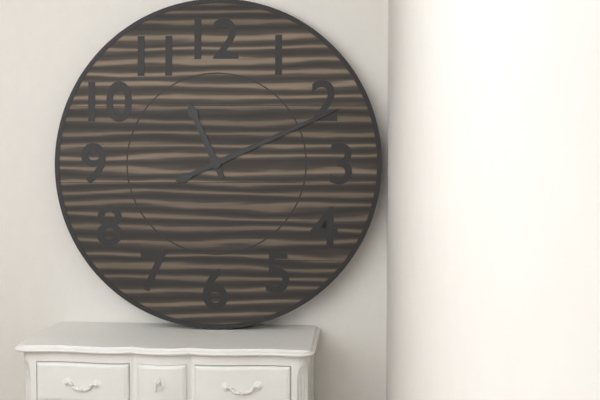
11:11
